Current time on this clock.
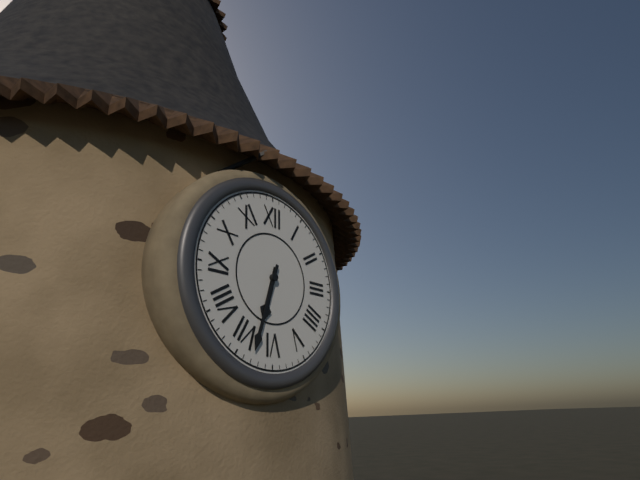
6:33
